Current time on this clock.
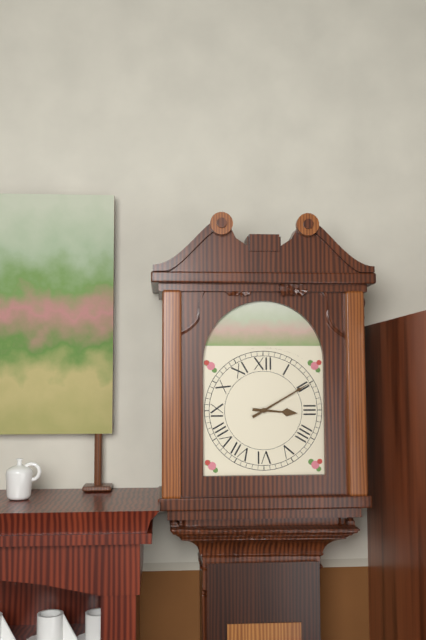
3:10
